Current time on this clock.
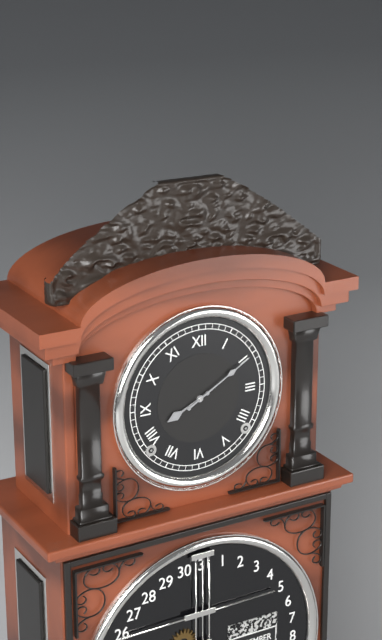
8:10
